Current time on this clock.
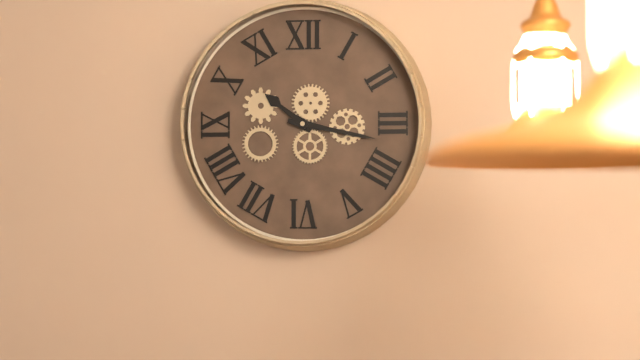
10:17
